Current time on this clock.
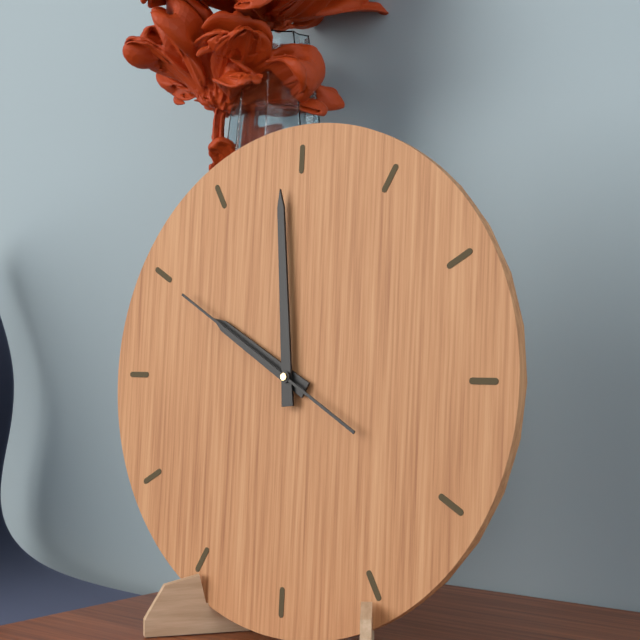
9:59:50
